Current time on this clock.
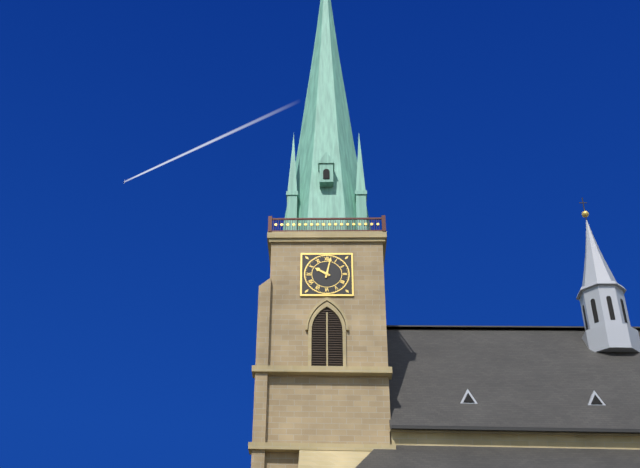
10:02
